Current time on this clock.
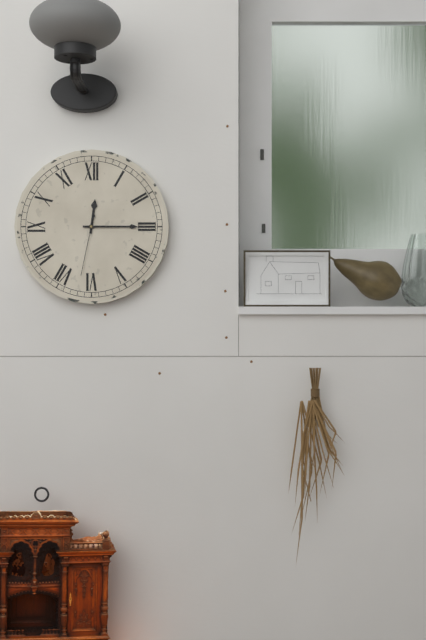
12:15:32
